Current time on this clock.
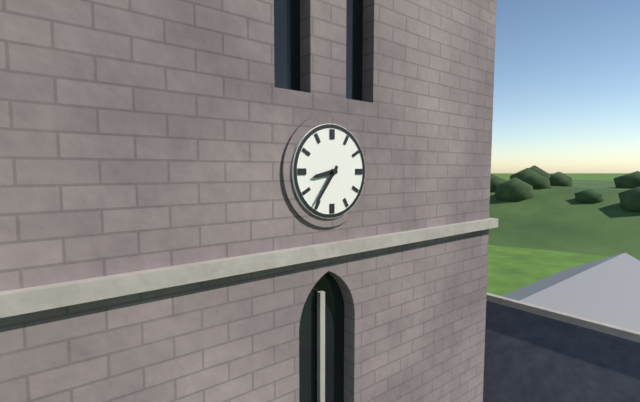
8:36
